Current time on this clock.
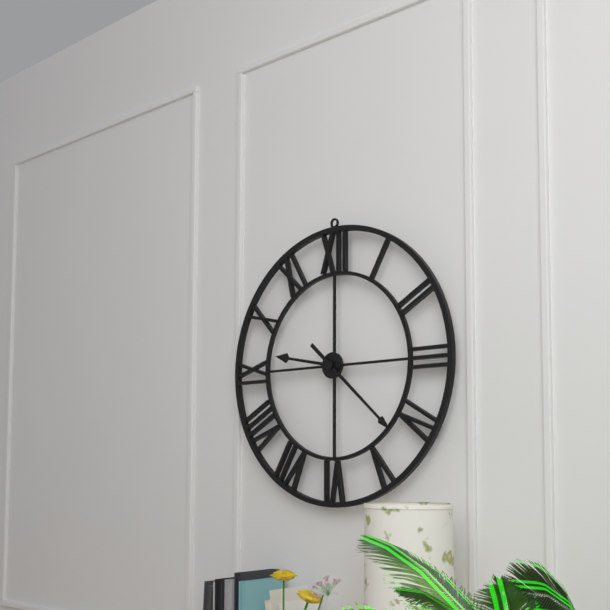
9:22
